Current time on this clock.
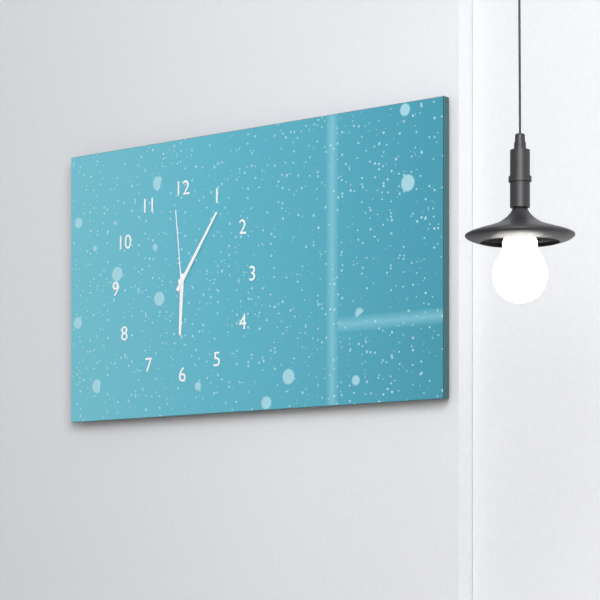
6:06:59
